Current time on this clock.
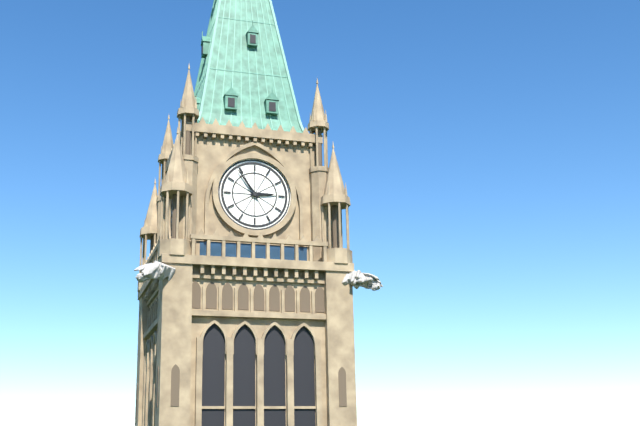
2:54
